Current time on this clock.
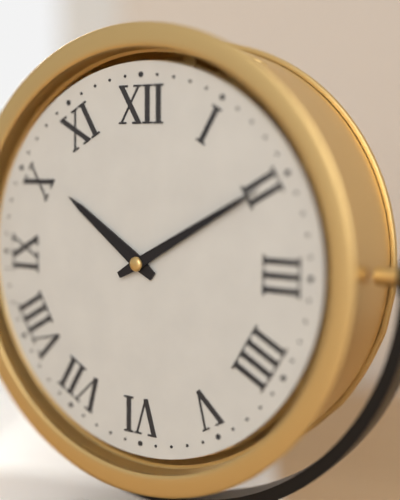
10:10
